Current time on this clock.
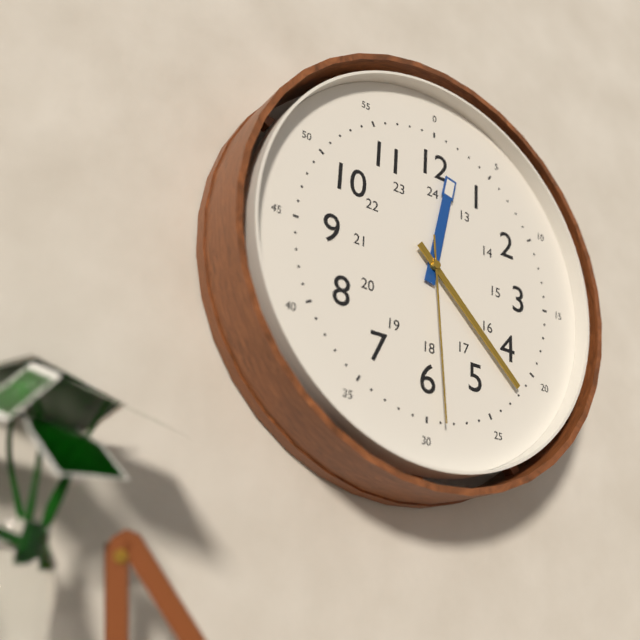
12:22:29
